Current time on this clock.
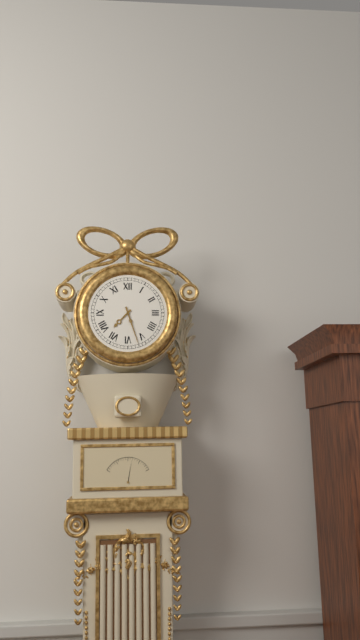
7:27
